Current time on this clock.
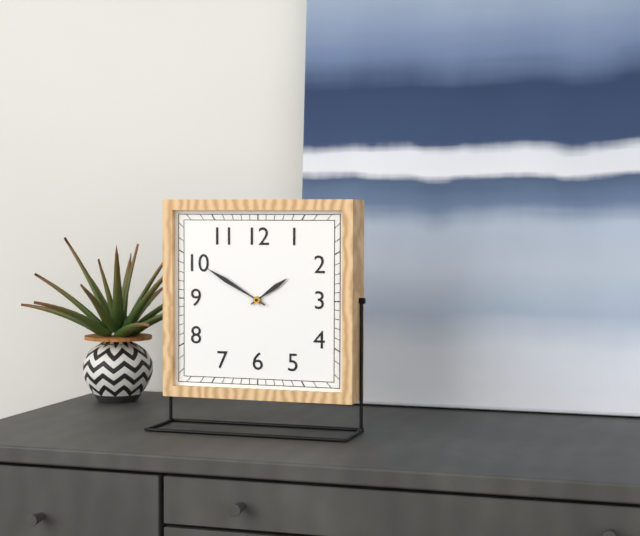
1:50
